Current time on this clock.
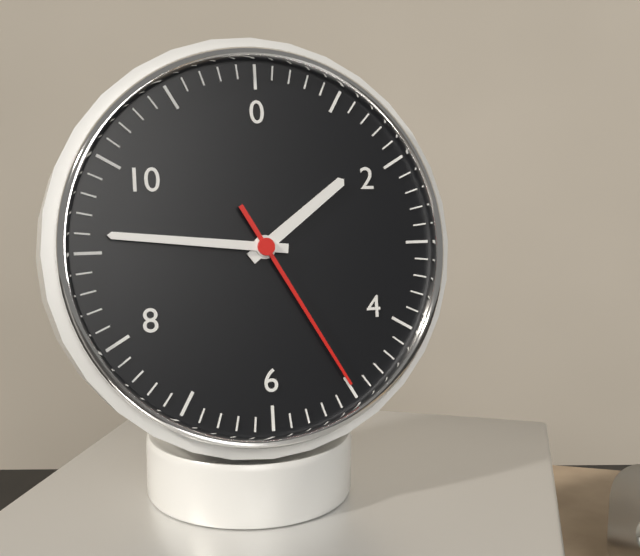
1:46:25
